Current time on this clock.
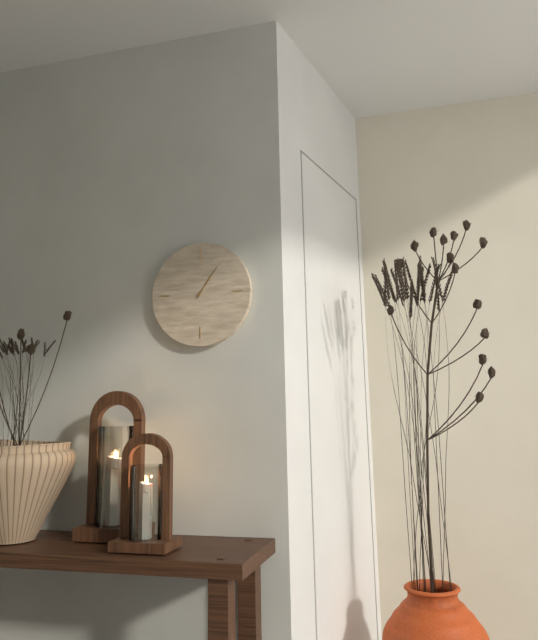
1:06
